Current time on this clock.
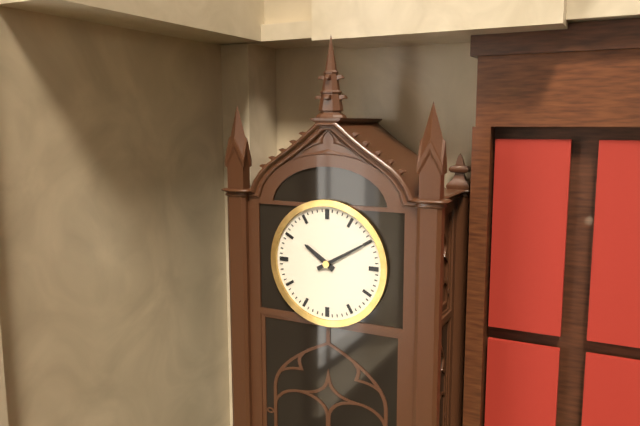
10:10
